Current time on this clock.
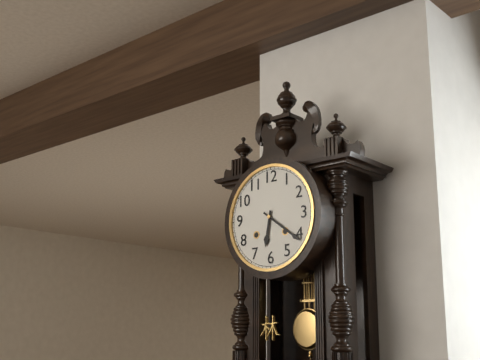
6:21
